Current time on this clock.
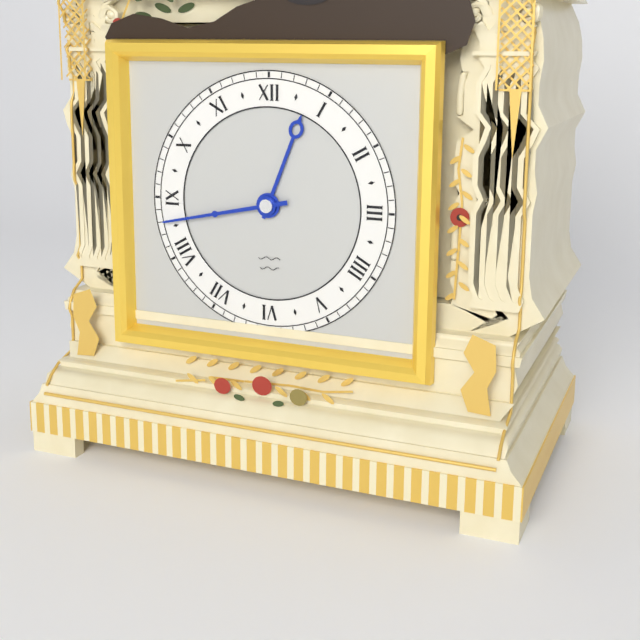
12:43
